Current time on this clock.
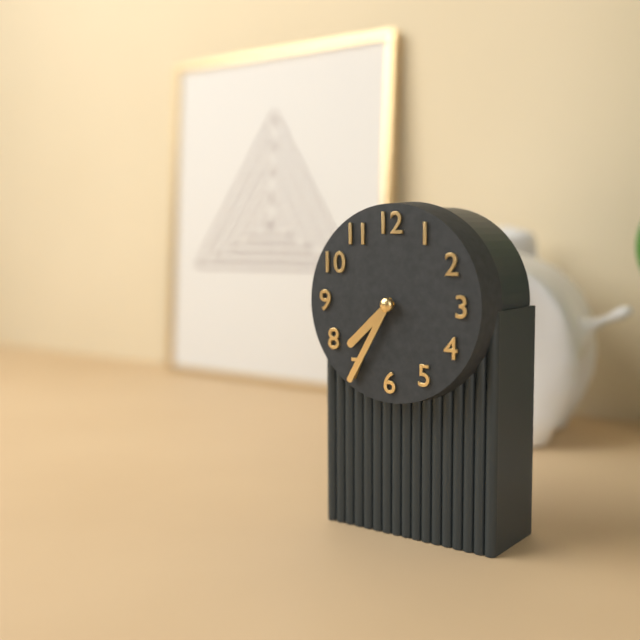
7:35
